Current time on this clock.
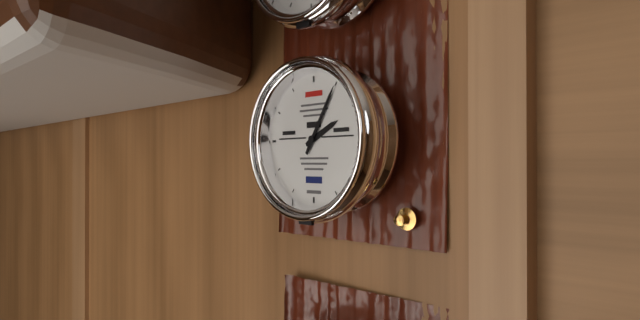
2:05
